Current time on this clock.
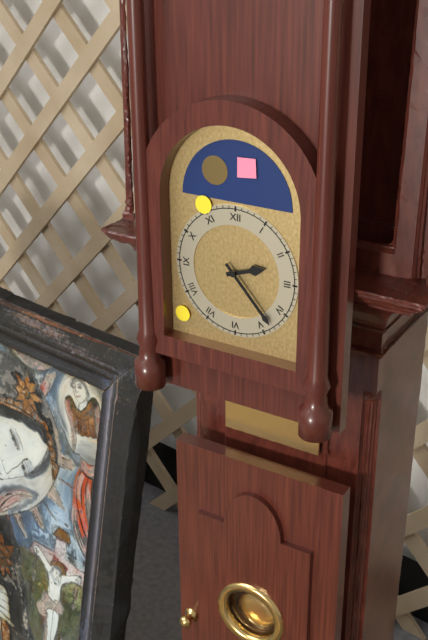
2:23
